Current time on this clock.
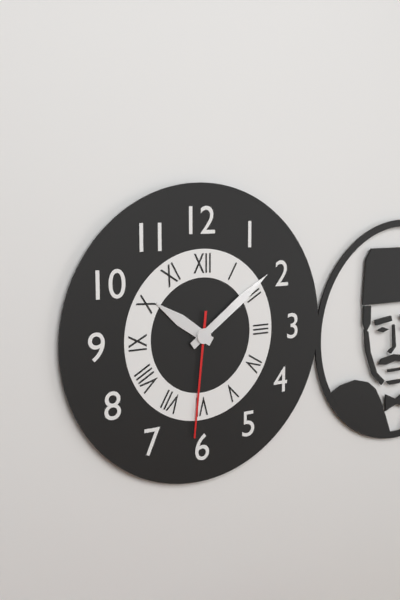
10:09:31
